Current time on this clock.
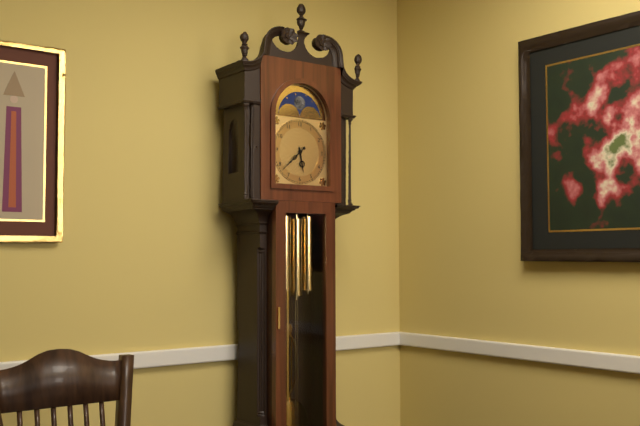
5:38
